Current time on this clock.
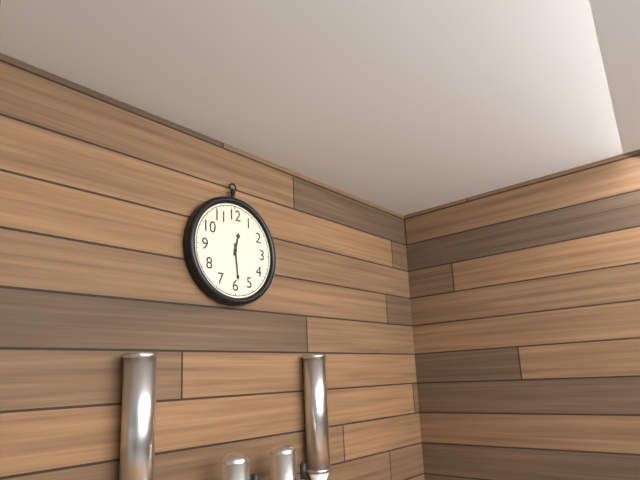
12:29
